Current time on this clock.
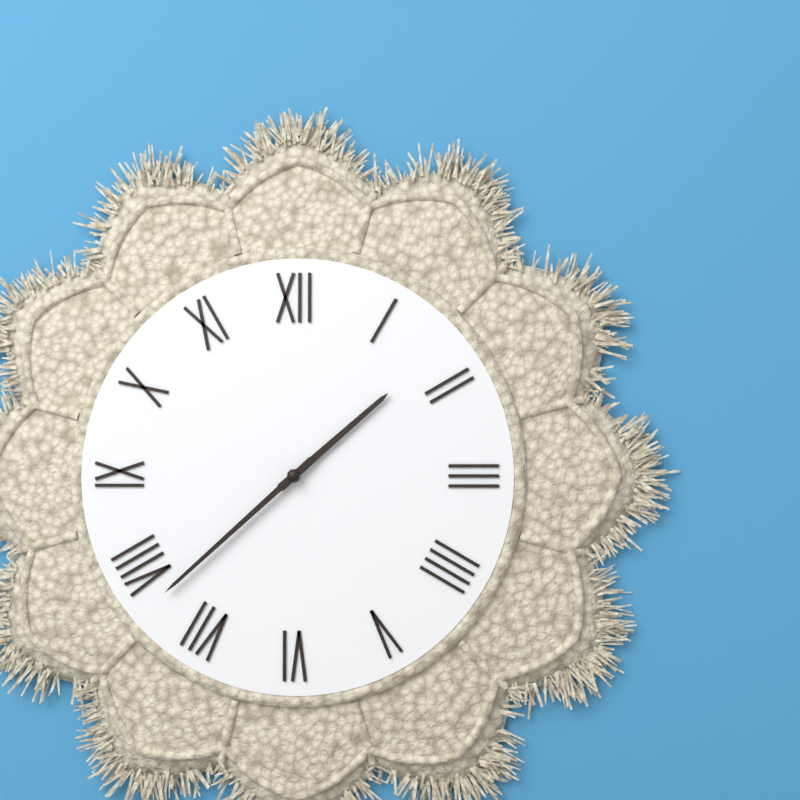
1:38
